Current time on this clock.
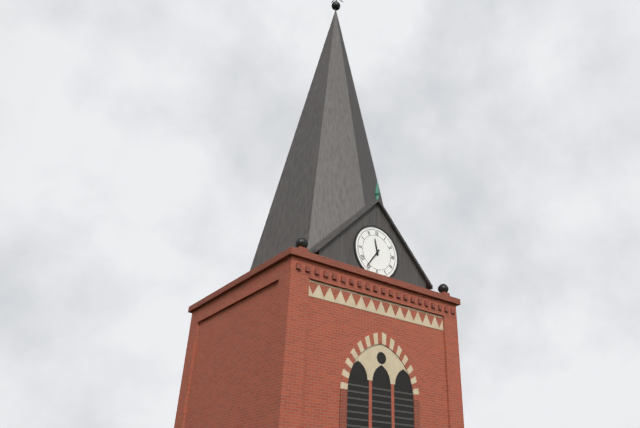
11:36
